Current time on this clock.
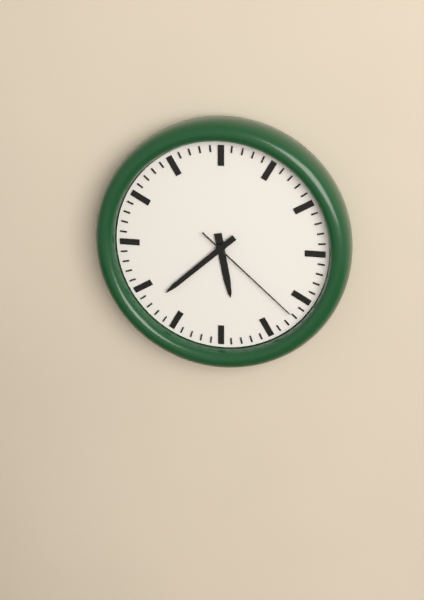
5:38:22
